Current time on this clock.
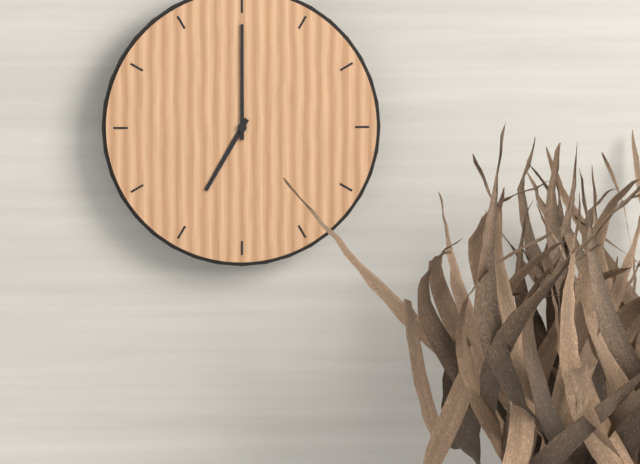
7:00
